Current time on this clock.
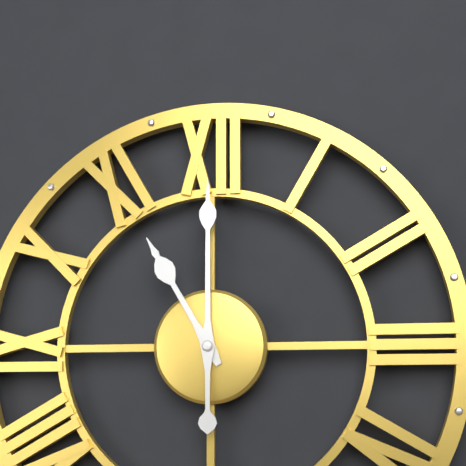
11:00
